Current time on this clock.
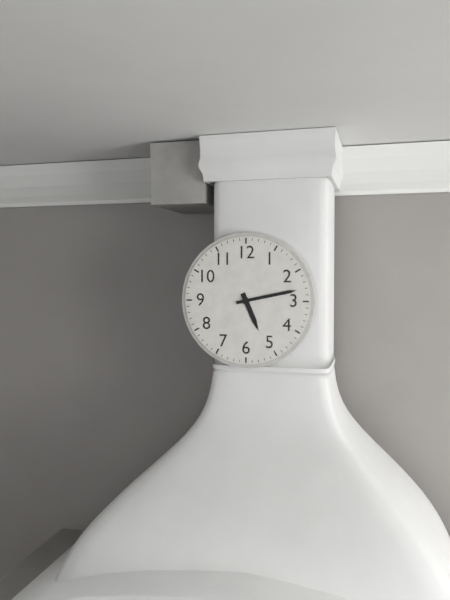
5:13
